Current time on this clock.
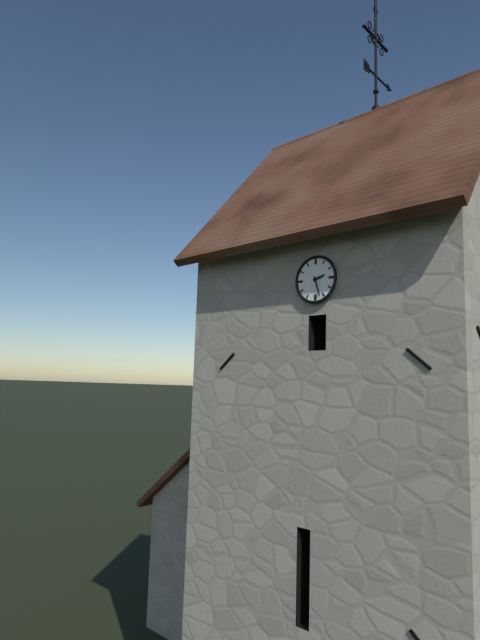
2:27
